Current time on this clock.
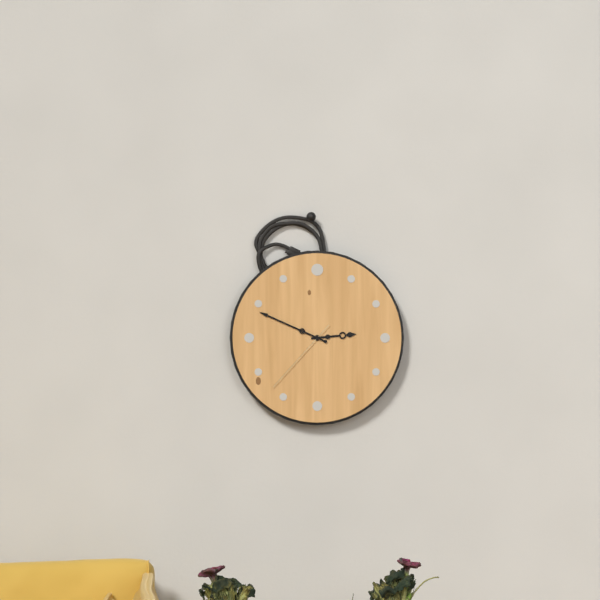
2:49:37
